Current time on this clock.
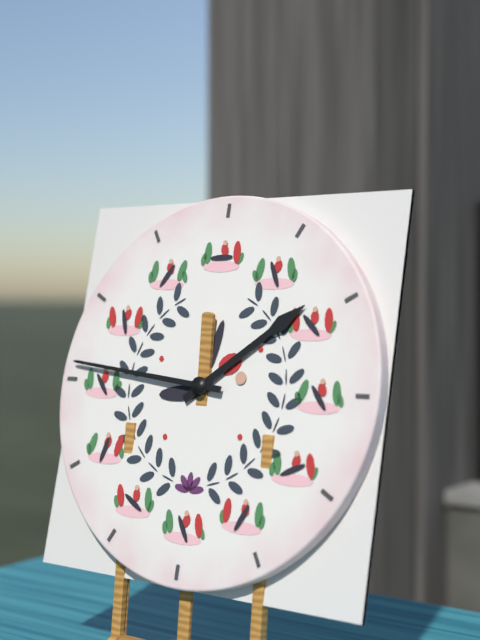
1:46
